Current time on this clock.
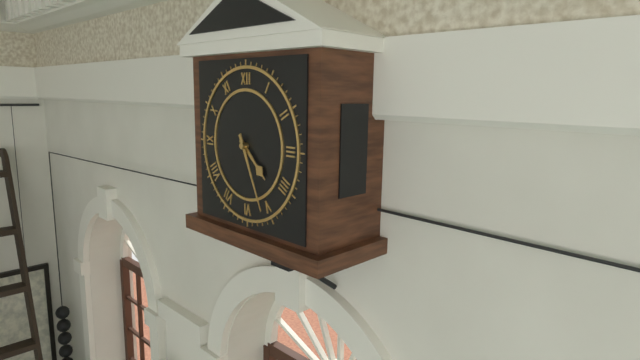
4:26
